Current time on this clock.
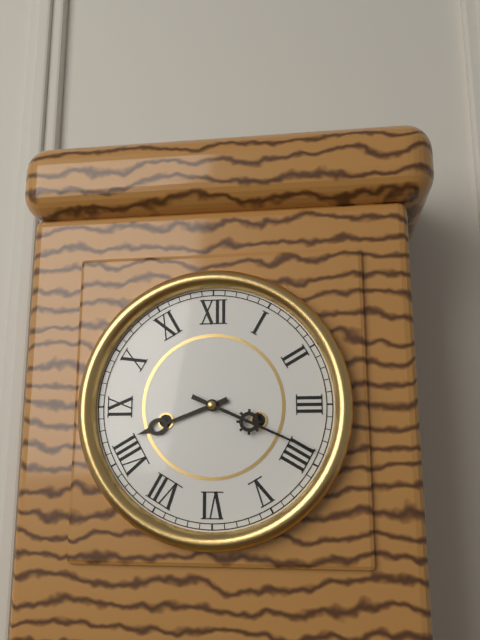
8:19
